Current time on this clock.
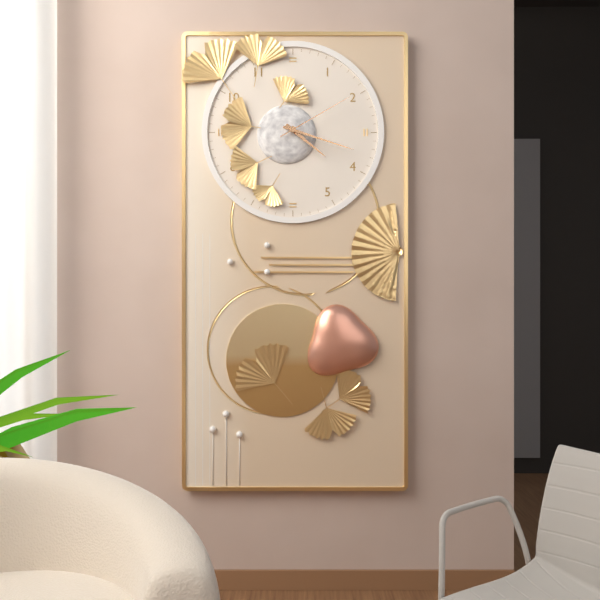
4:18:10
